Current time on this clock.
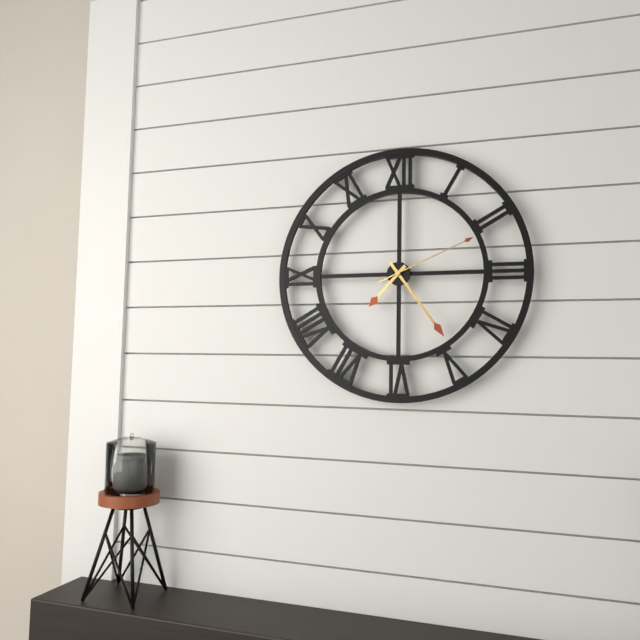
7:24:11
